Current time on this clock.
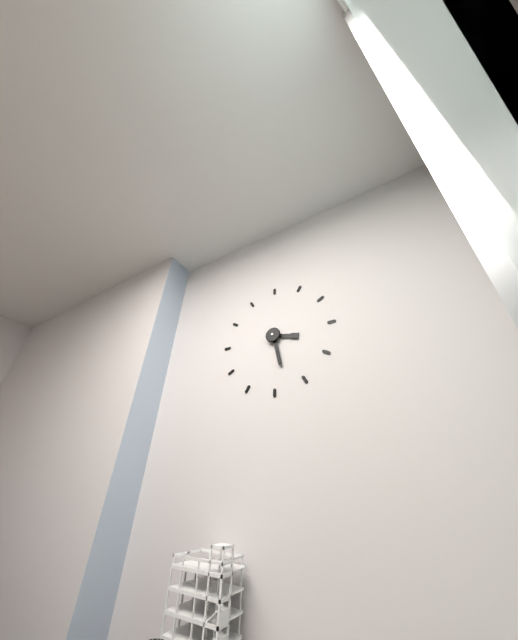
3:28
